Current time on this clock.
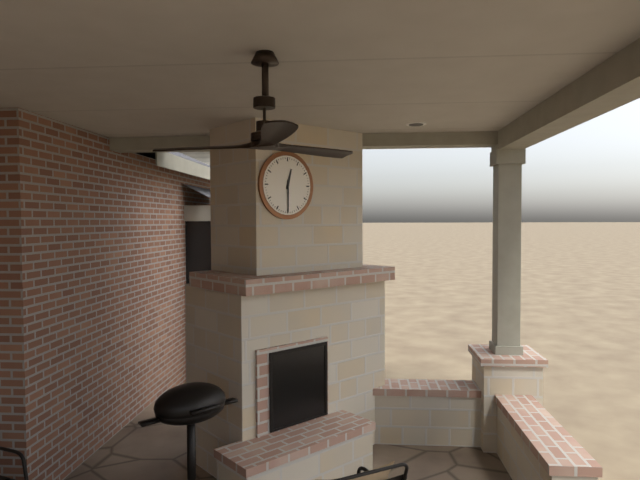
12:30
